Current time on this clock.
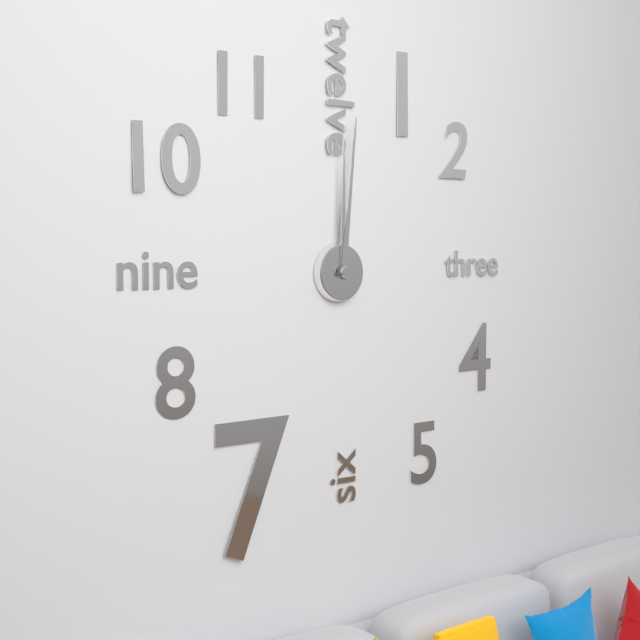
12:01
